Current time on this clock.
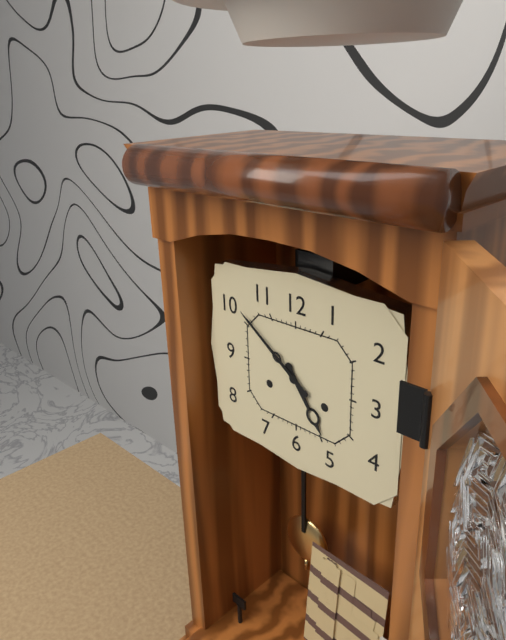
4:51
